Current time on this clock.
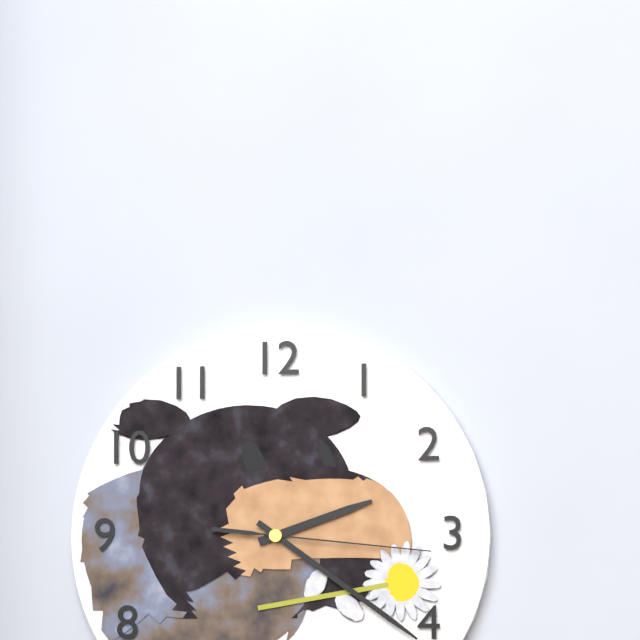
2:21:16
